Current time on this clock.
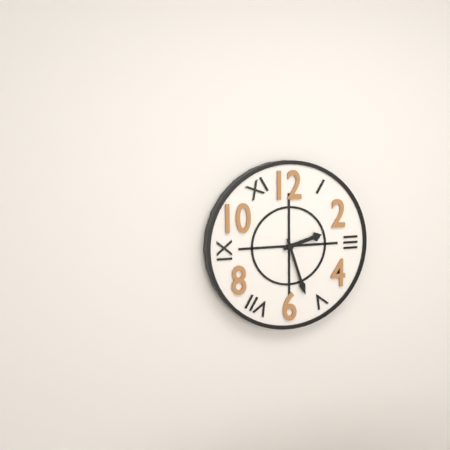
2:27
